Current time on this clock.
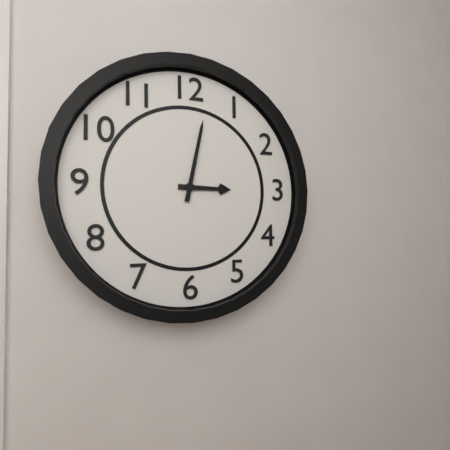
3:02
